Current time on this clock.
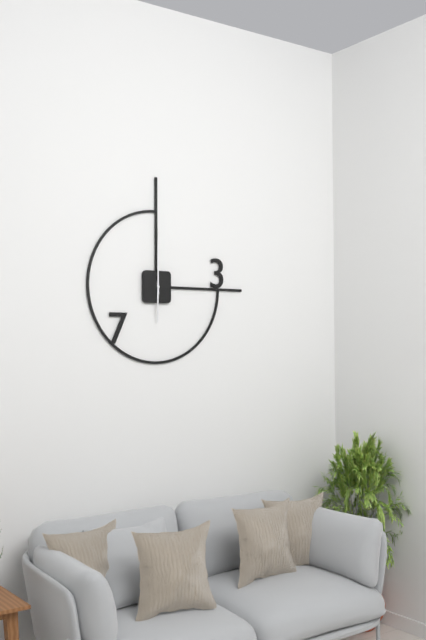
6:00
